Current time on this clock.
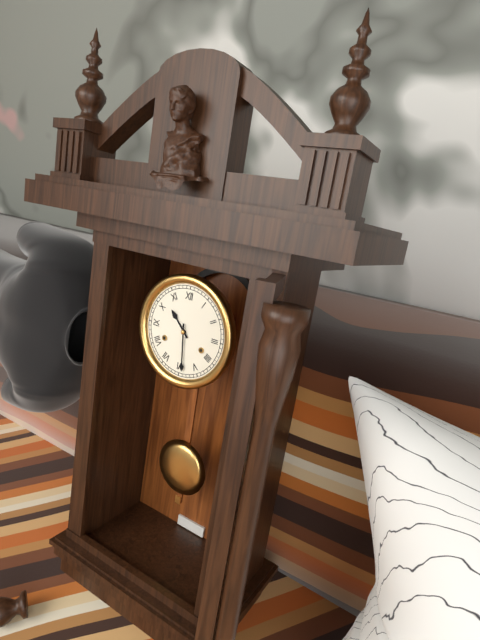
10:29
